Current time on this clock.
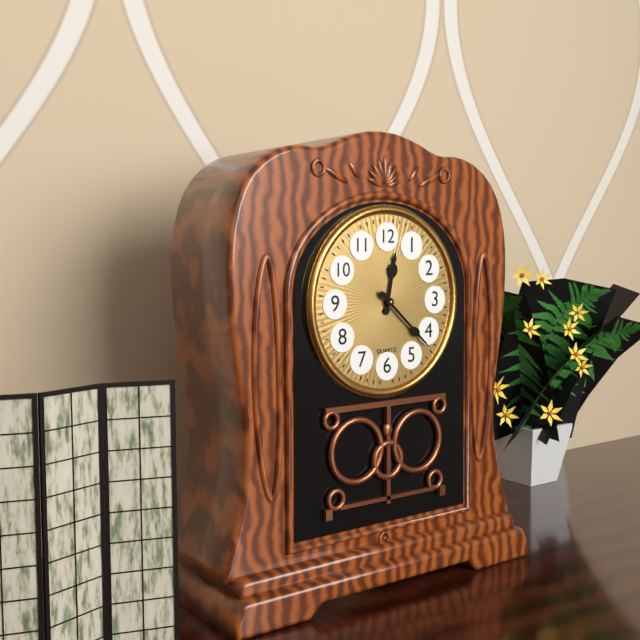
12:22
